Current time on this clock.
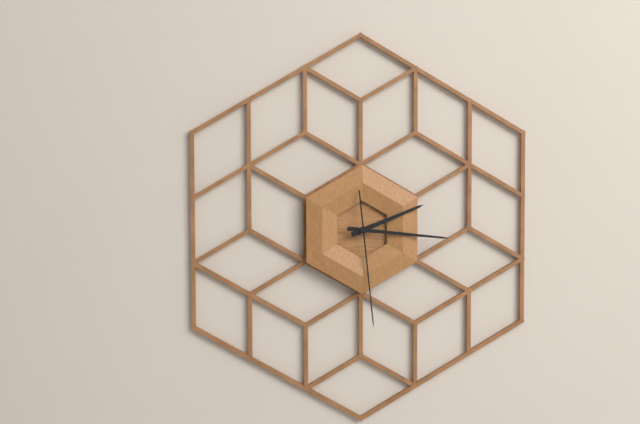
2:16:29
